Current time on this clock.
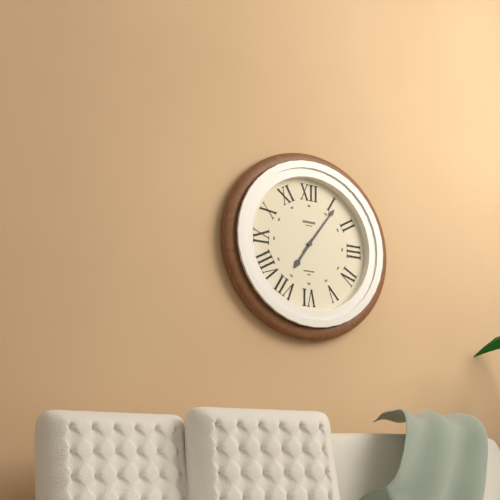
7:06
